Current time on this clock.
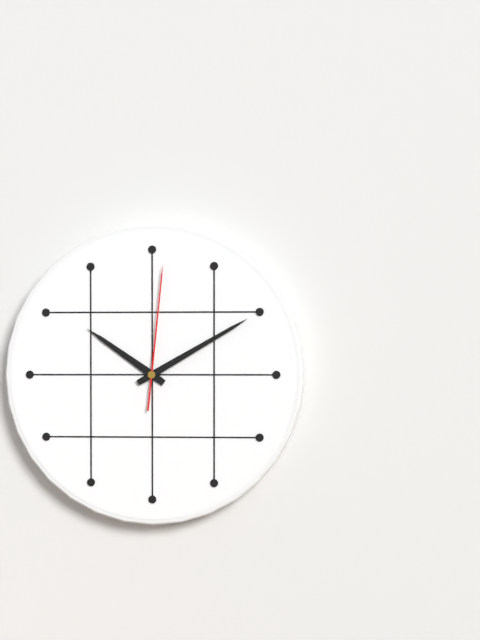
10:10:01
